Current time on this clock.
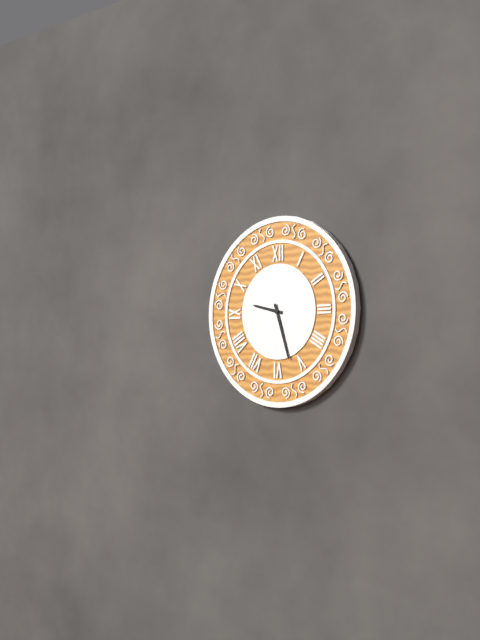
9:27
